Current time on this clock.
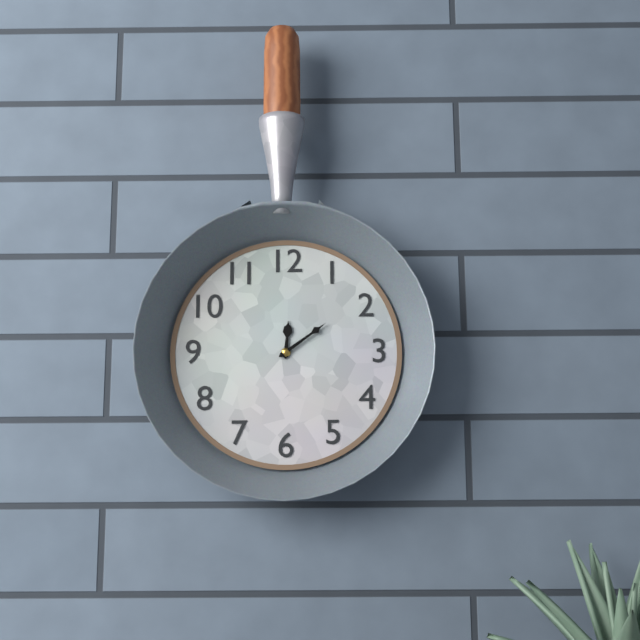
12:09
